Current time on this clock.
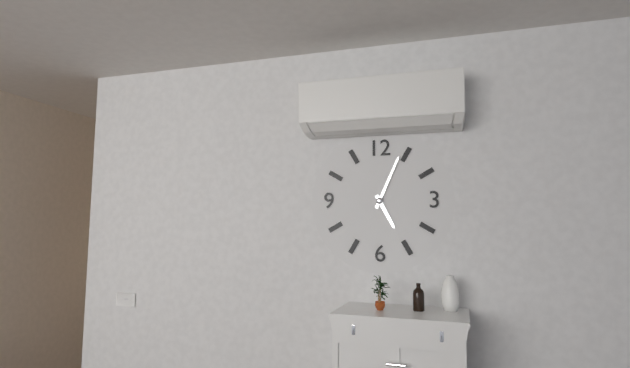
5:04
